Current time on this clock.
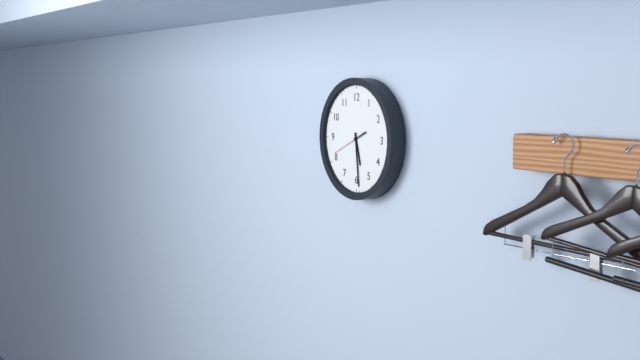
5:29
